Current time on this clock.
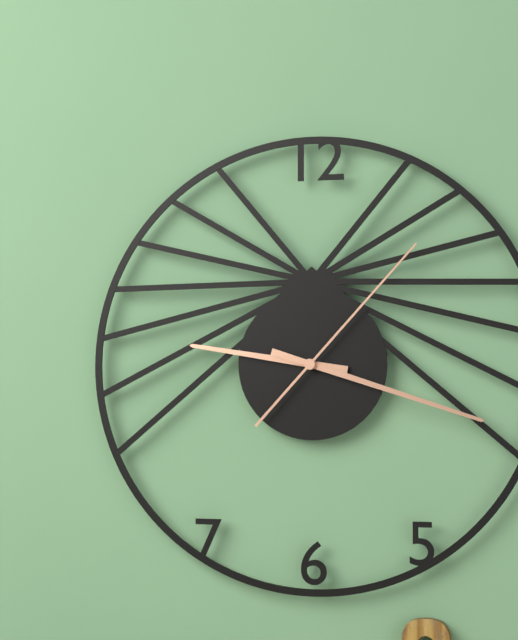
9:18:07
